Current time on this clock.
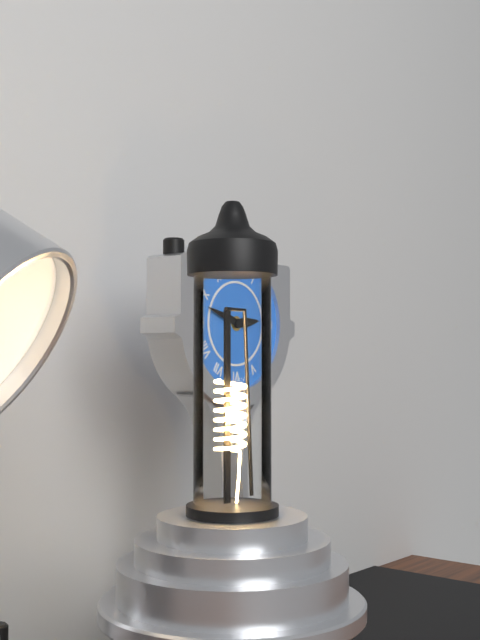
2:48
